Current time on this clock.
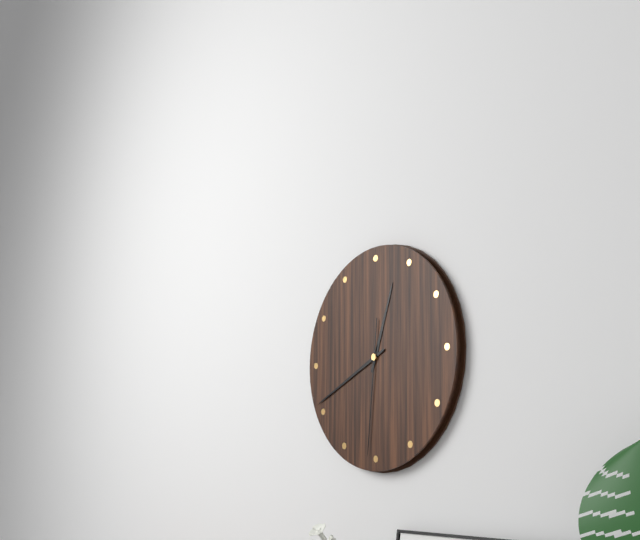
12:41:31
